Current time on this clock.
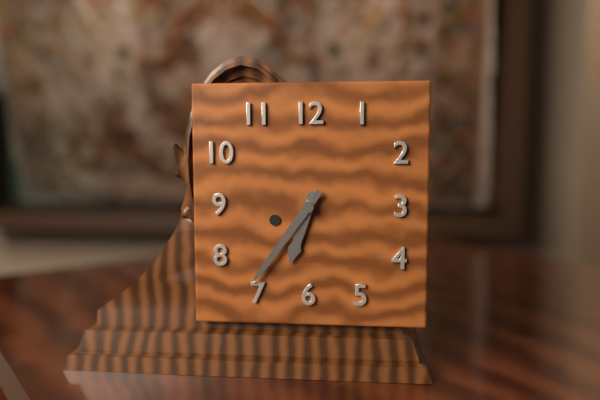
6:36
